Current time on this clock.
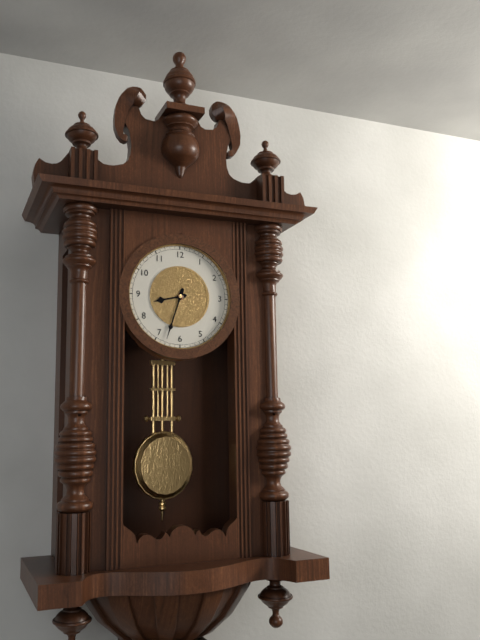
8:33
